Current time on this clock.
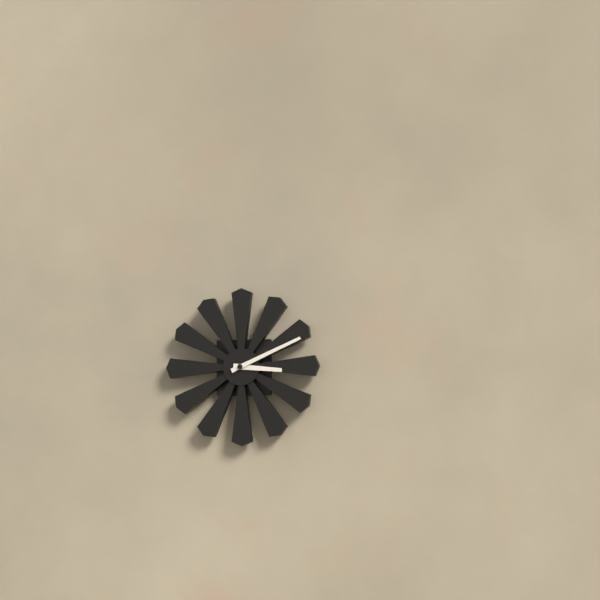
3:11
